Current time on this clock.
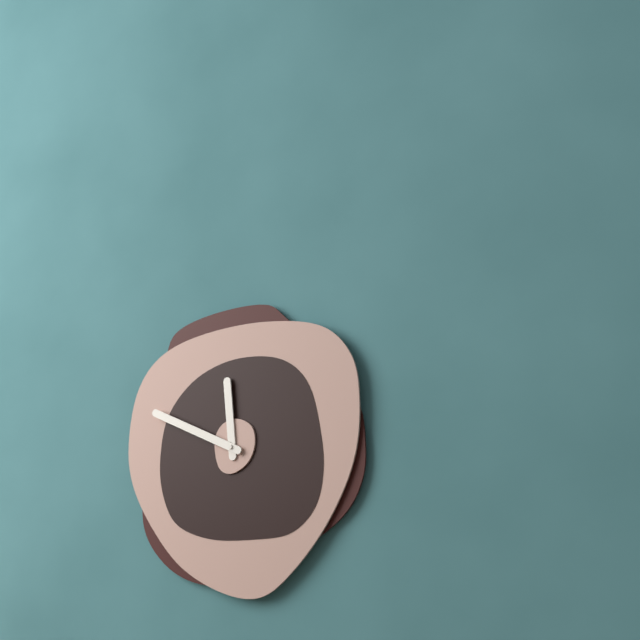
11:49
